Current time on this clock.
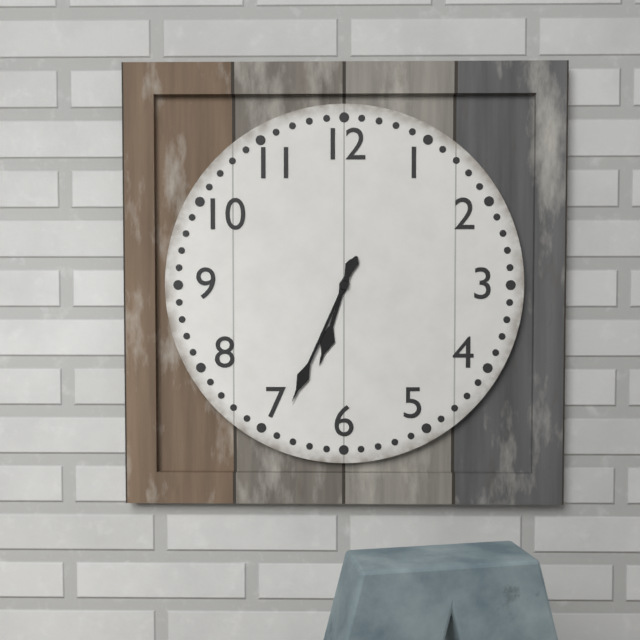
6:34
